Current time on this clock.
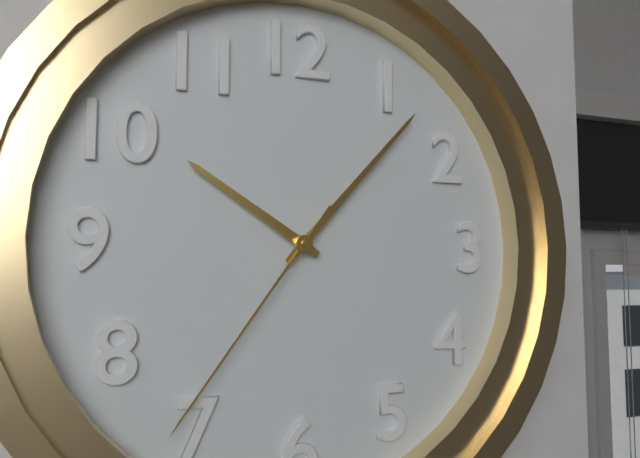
10:07:36
